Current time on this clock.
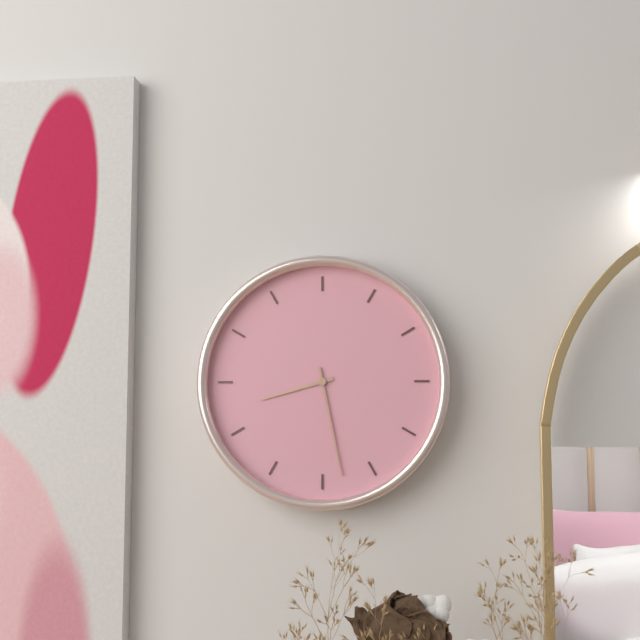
8:28
